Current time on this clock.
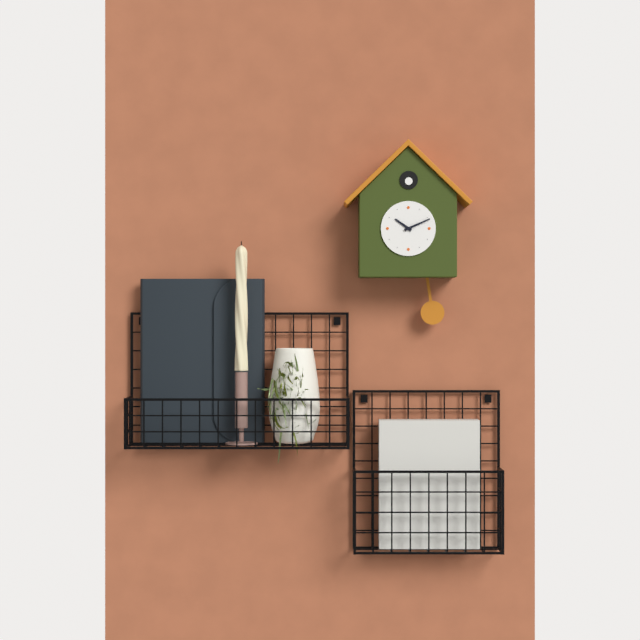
10:11
